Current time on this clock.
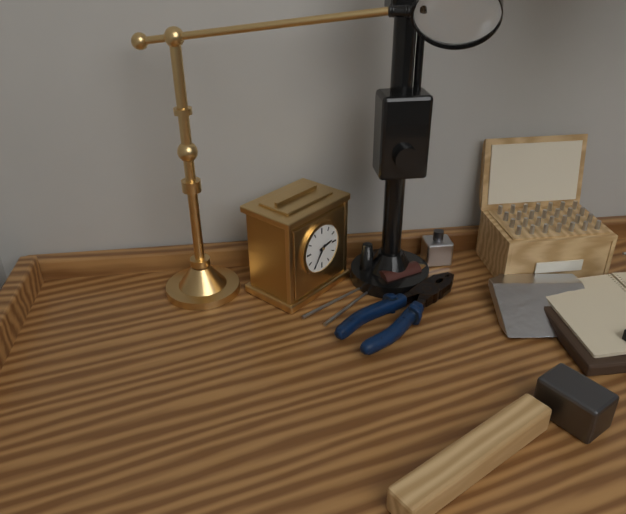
2:36
